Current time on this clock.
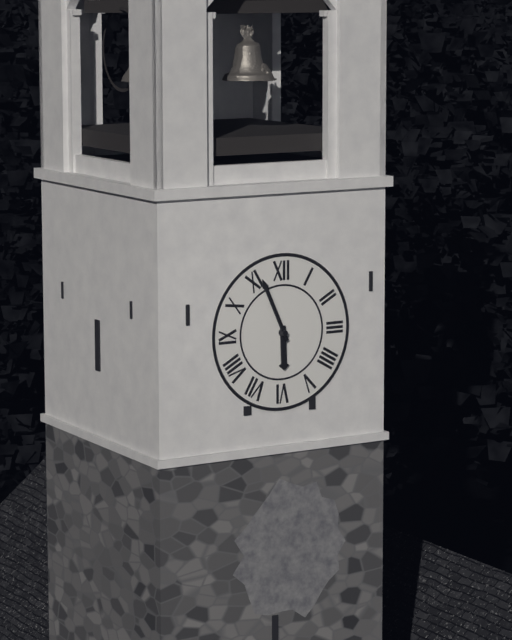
5:56
